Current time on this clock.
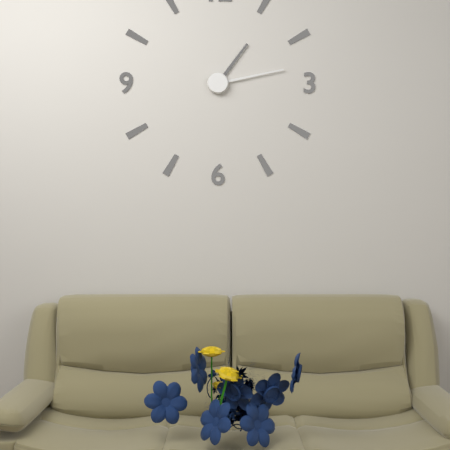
1:13
